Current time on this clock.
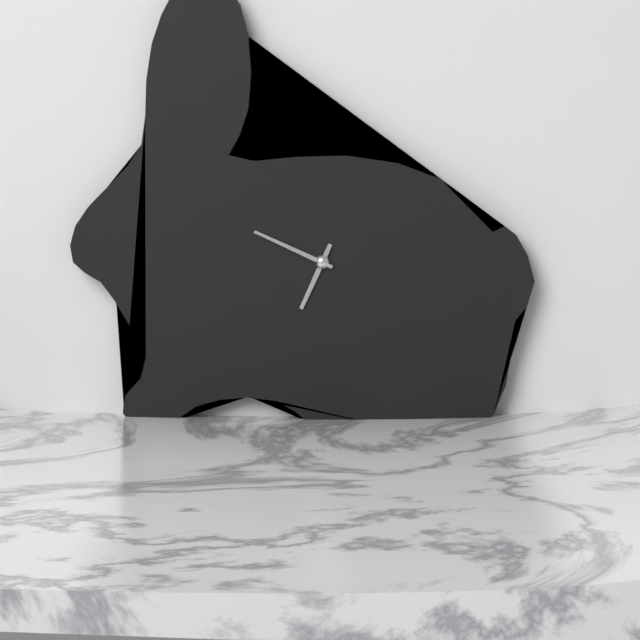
6:49
